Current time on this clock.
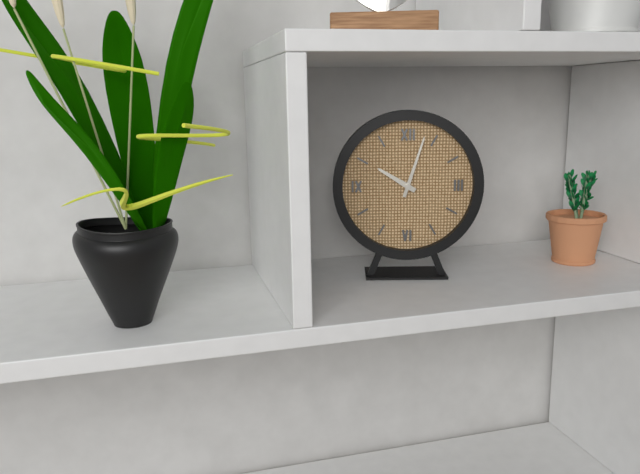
10:03
